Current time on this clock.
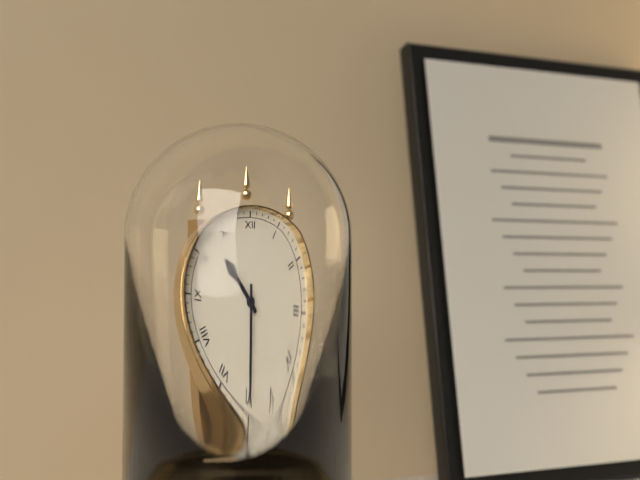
10:30
